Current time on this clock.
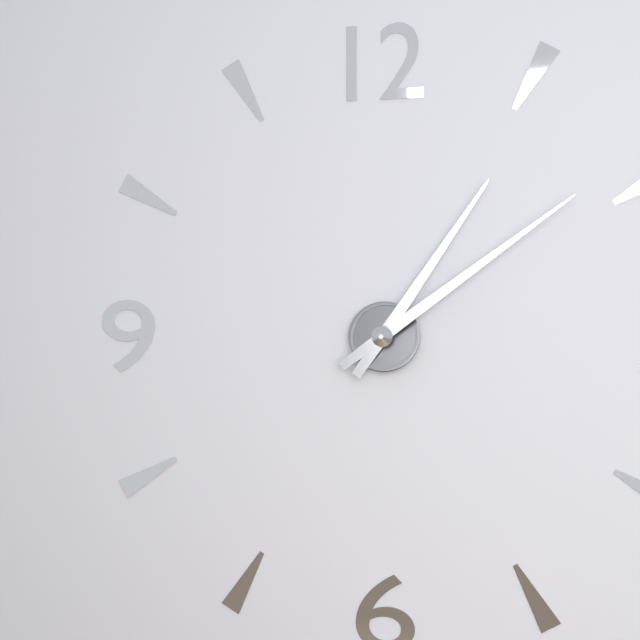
1:09
